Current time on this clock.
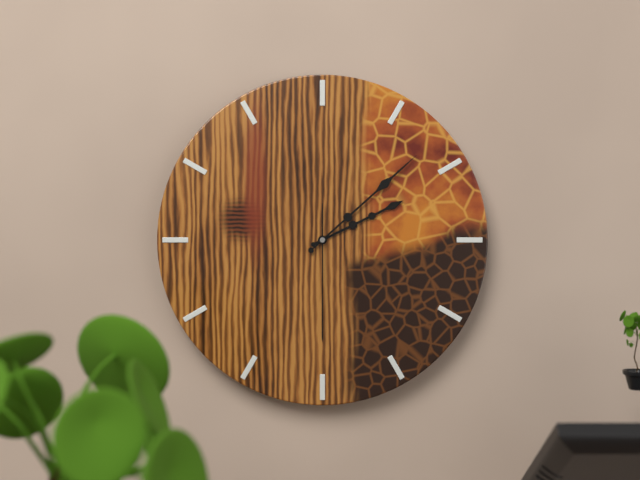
2:08:30
